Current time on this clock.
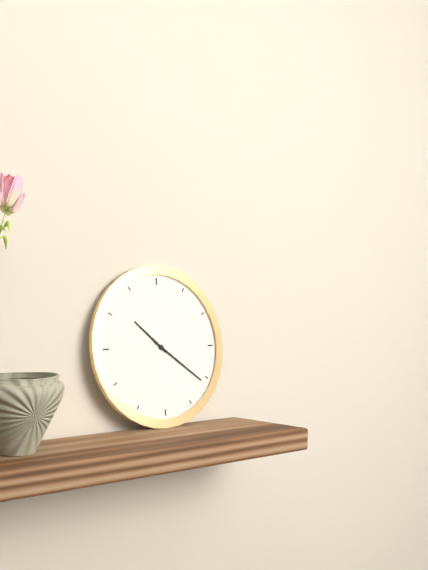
10:21
